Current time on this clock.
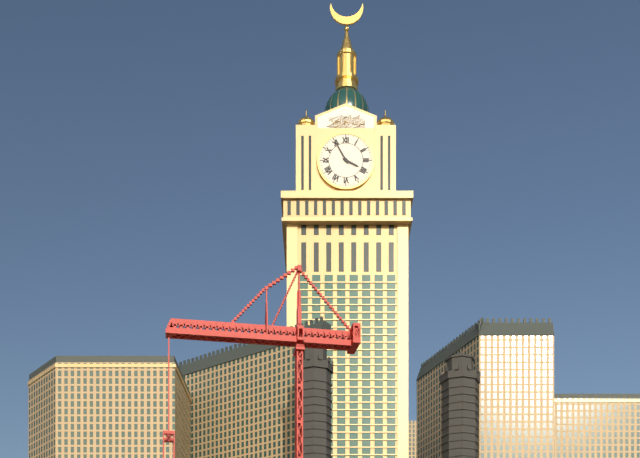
3:55
